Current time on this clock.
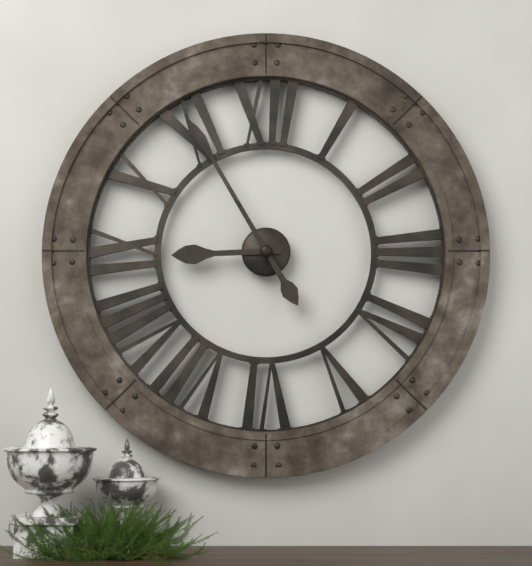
8:55
